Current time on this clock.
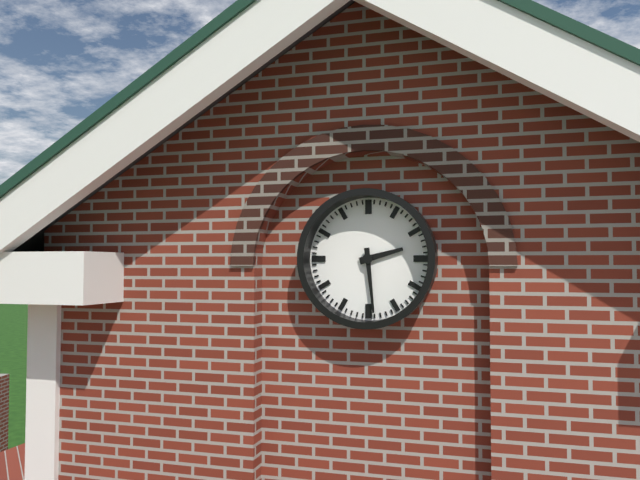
2:29
